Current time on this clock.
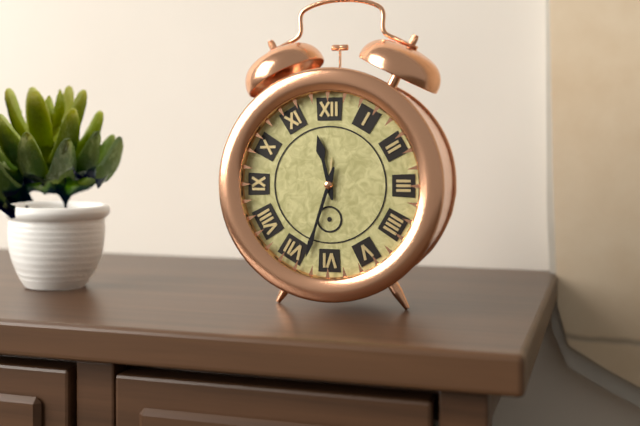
11:33
